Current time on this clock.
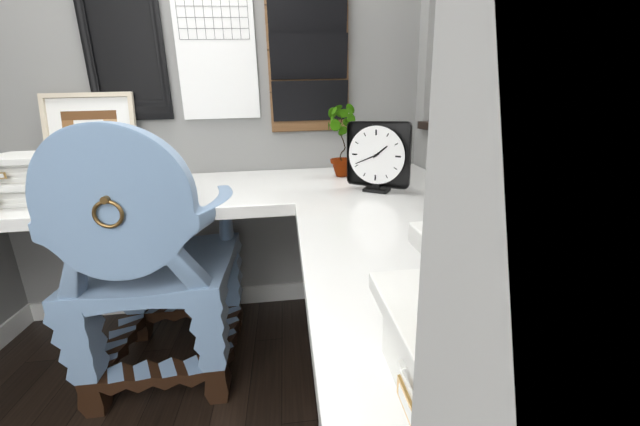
1:41
